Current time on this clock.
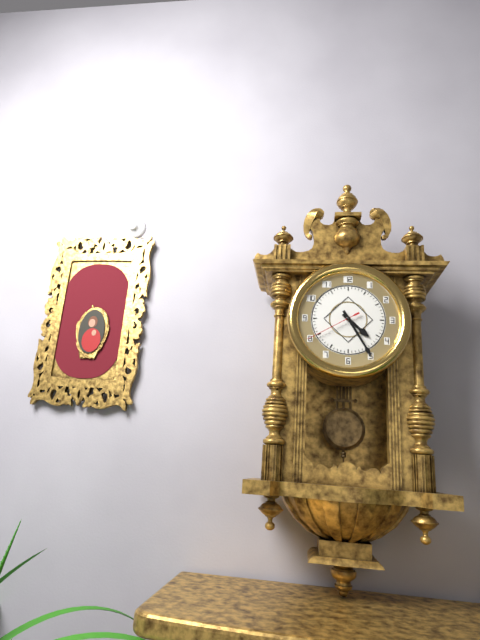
4:25:40
